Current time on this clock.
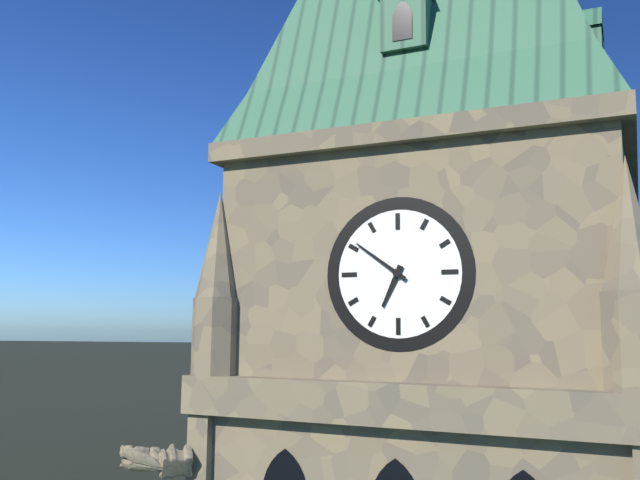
6:51
